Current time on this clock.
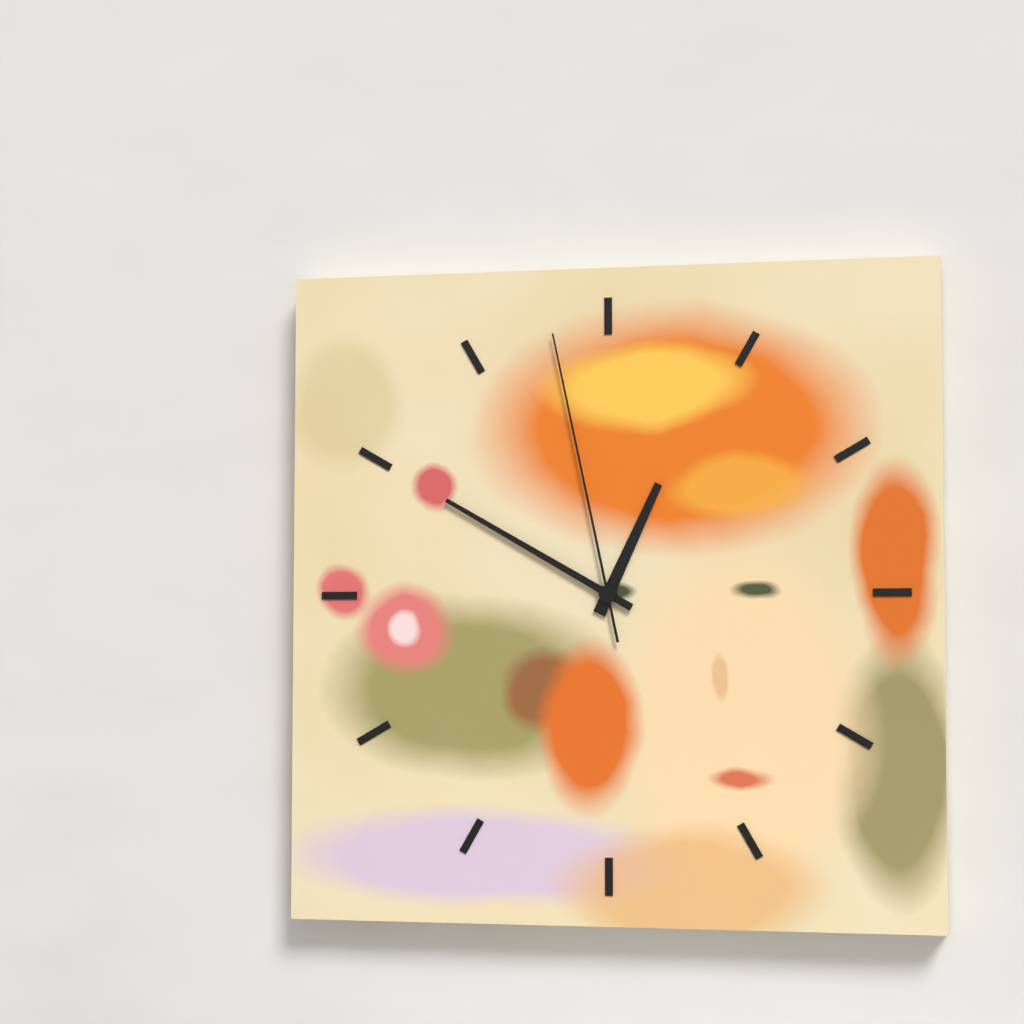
12:50:58
